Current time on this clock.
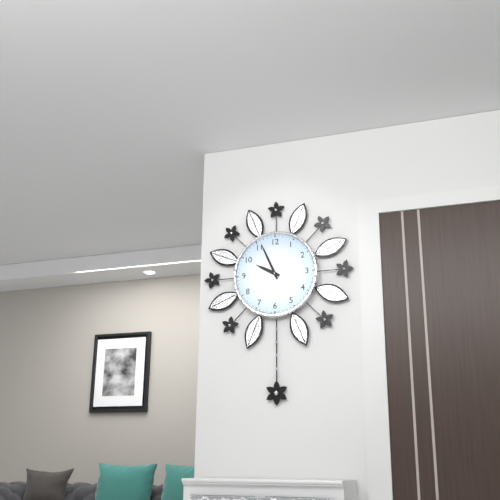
9:56
